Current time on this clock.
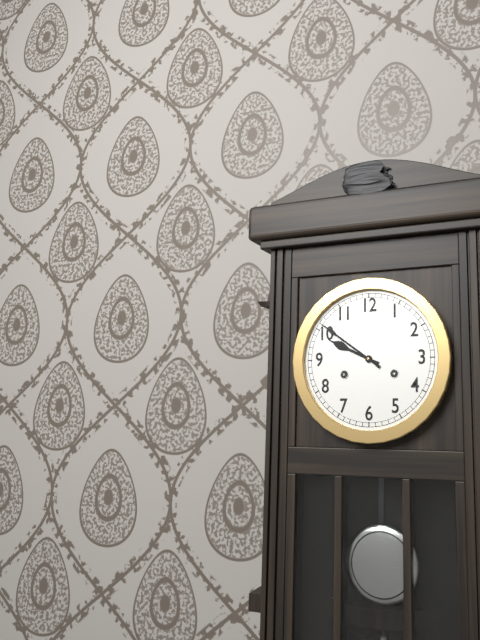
9:51
